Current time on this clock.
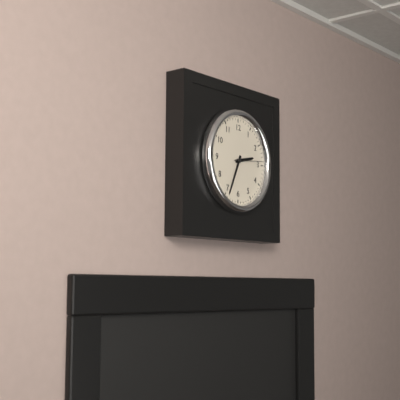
2:34
